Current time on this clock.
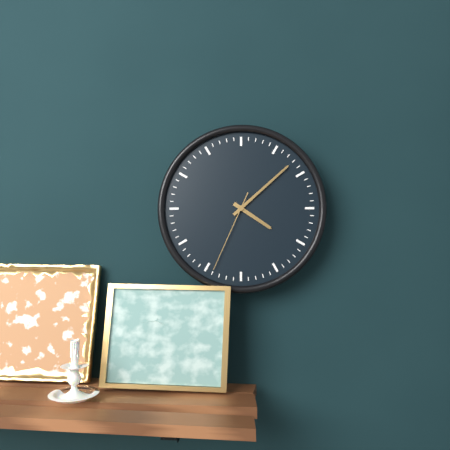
4:08:34
